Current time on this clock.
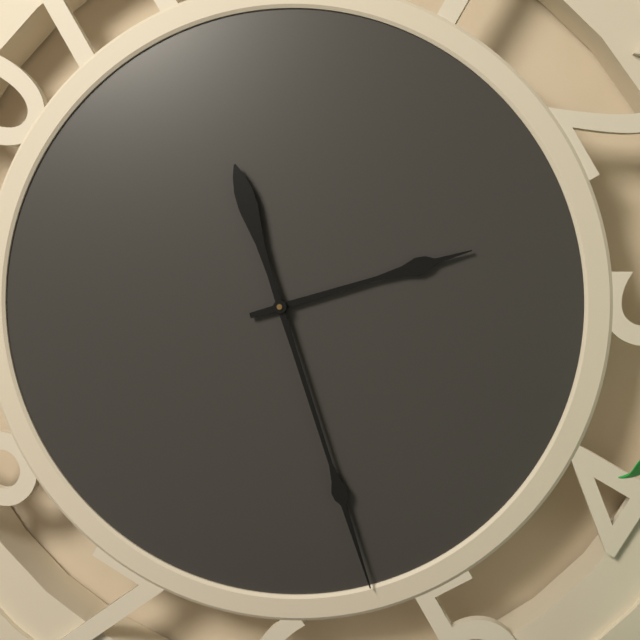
2:27
